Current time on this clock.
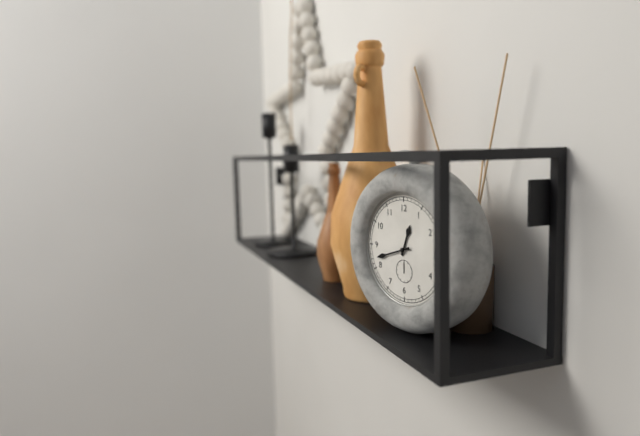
12:42
